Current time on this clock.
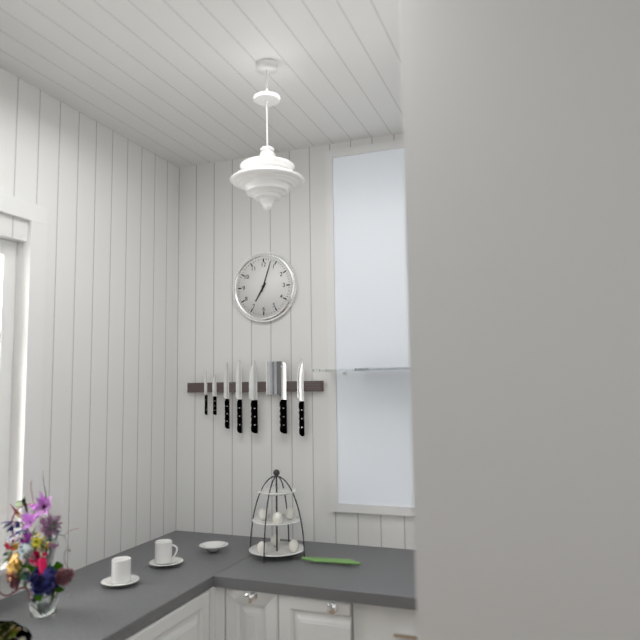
7:03
